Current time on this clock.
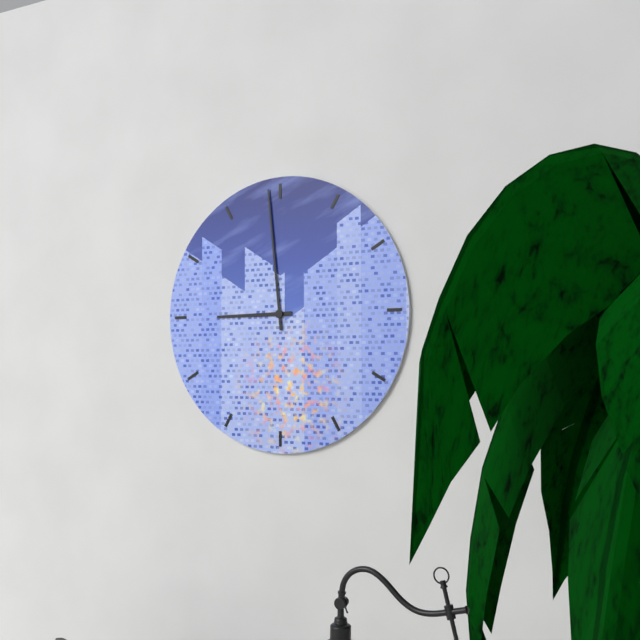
8:59
